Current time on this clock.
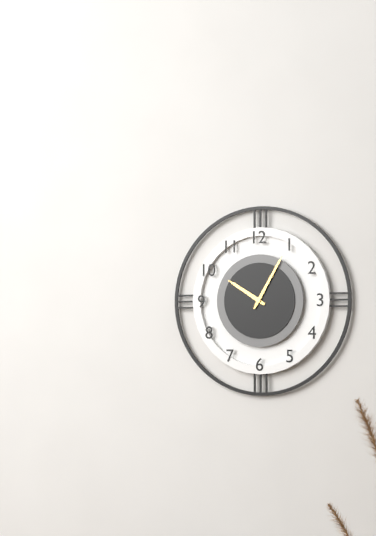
10:05
